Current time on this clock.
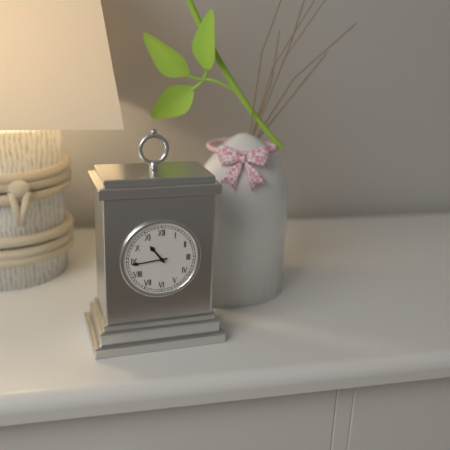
10:44
